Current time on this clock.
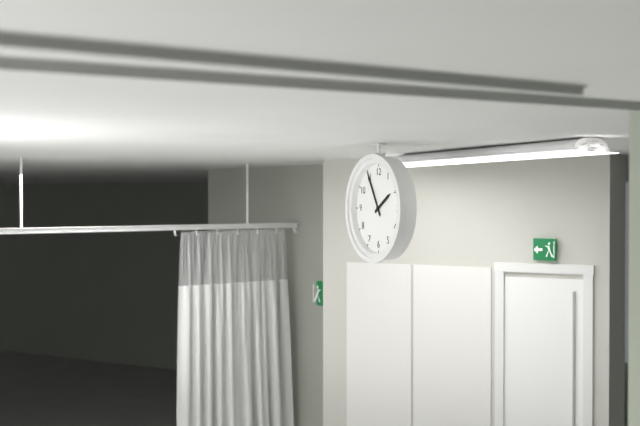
1:55
